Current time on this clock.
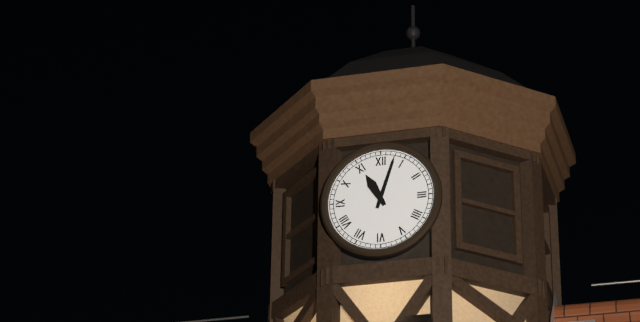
11:03
